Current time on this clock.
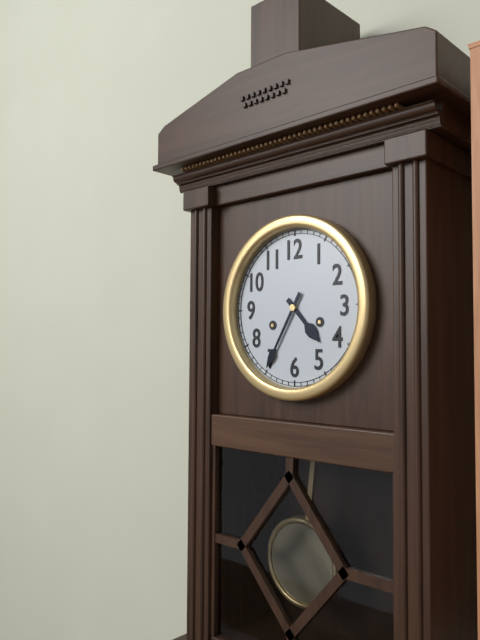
4:35
